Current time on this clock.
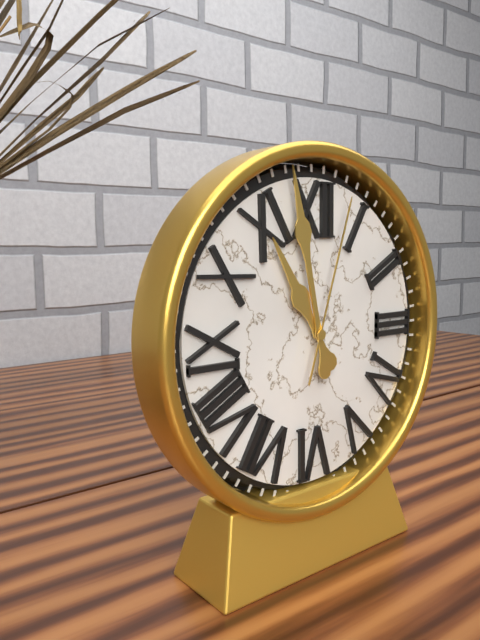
10:58:03
